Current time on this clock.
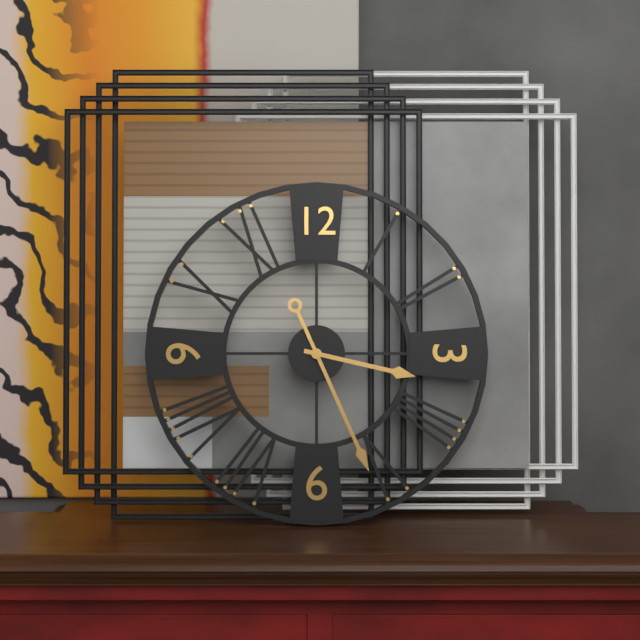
3:26
